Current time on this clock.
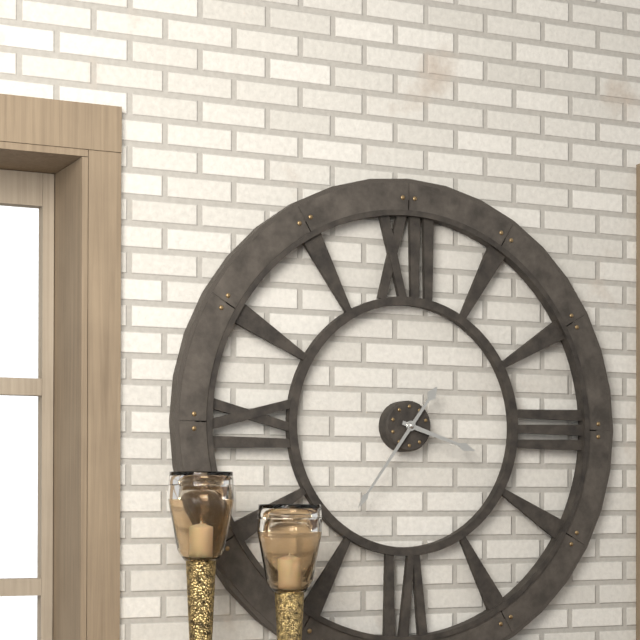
3:36
